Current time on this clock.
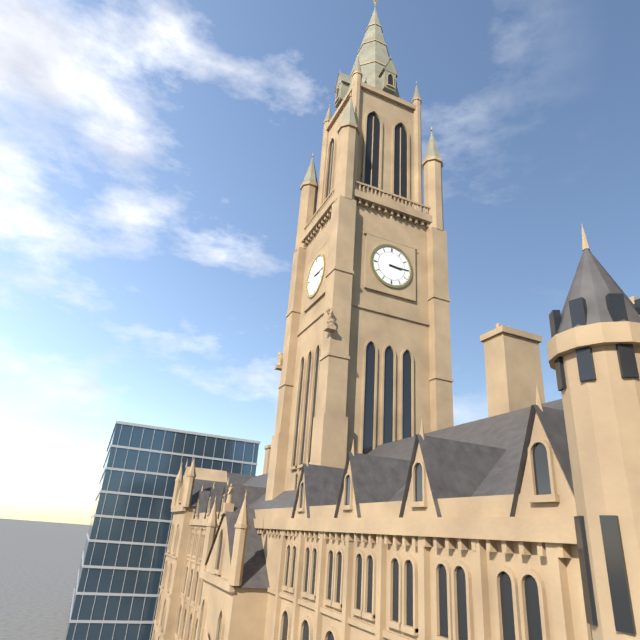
3:15
